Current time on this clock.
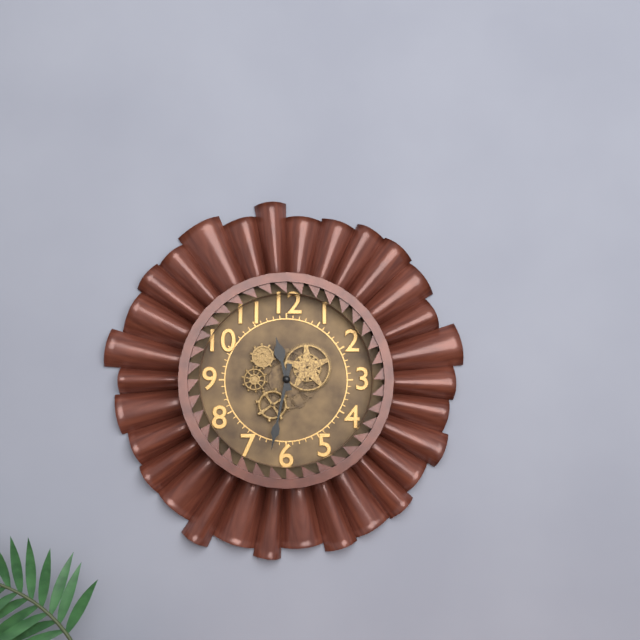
11:32
